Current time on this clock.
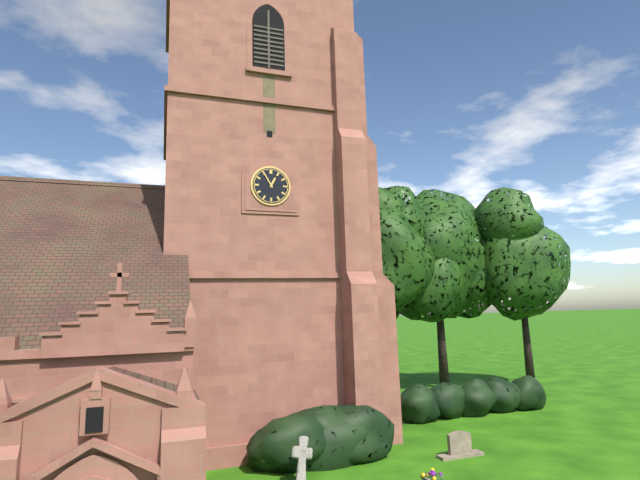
12:55
